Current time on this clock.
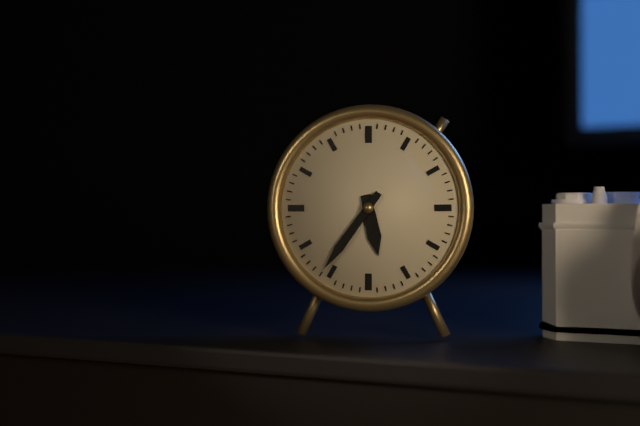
5:36
